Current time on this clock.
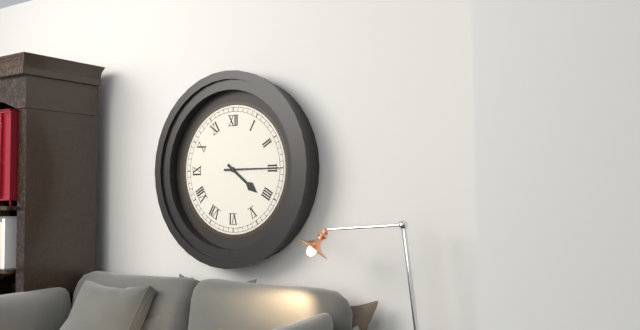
4:15
